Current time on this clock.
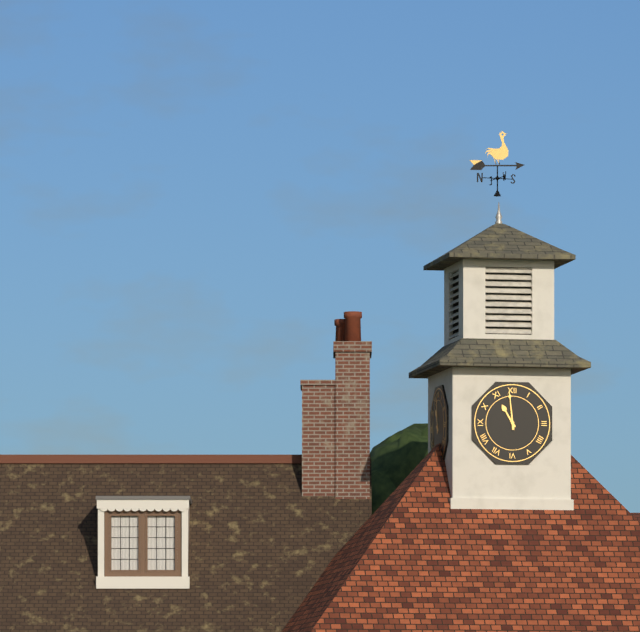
10:59
